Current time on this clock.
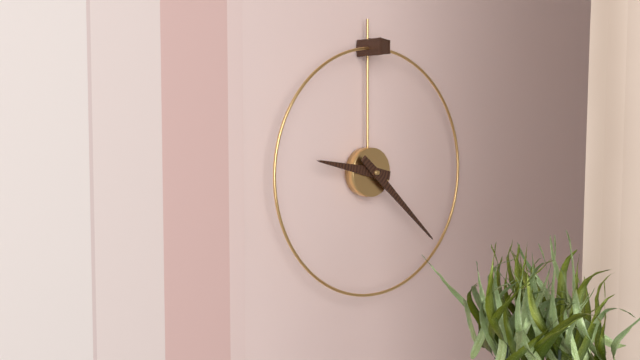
9:22
